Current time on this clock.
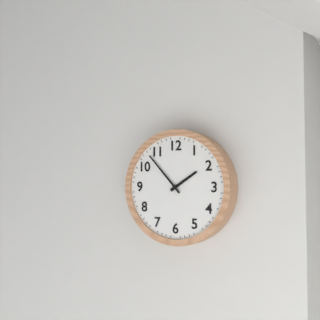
1:53
